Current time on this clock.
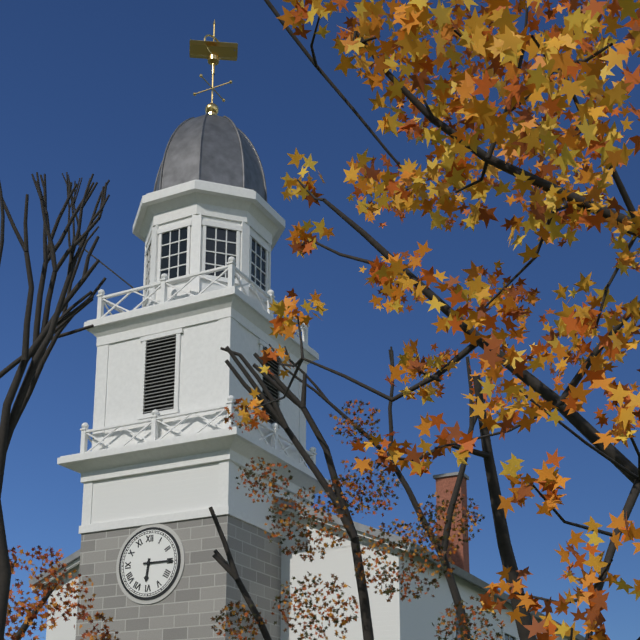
6:15
